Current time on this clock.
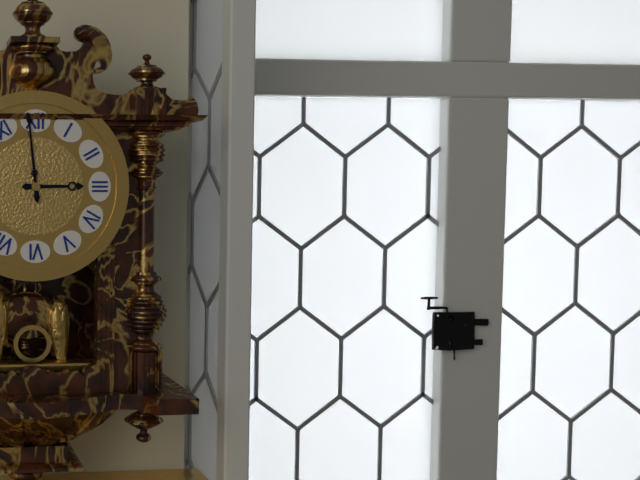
2:59
